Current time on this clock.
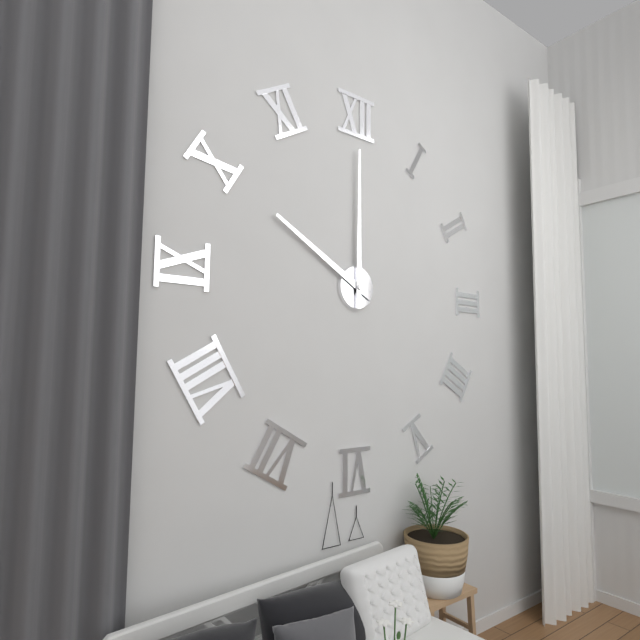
10:00
